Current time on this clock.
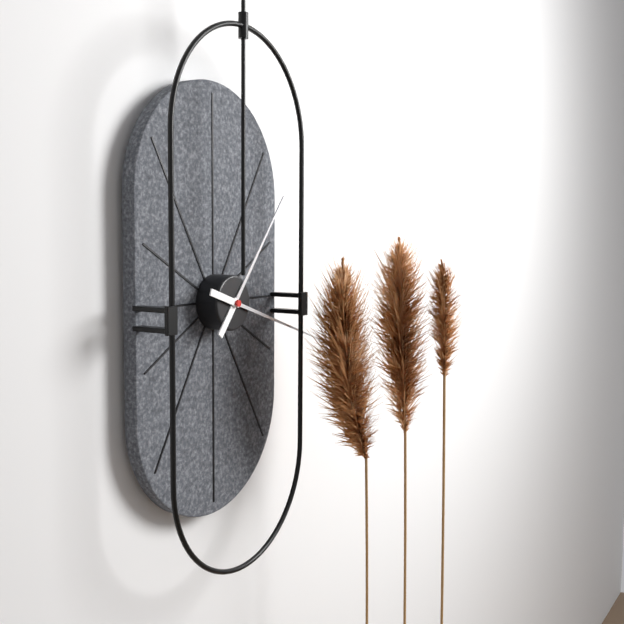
1:18
